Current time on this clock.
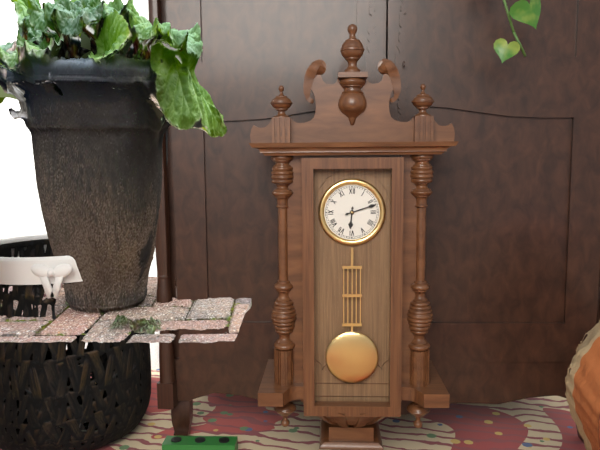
6:12
